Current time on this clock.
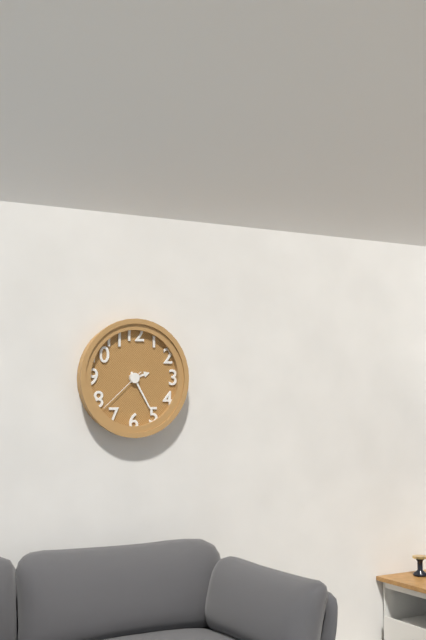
2:25:38
